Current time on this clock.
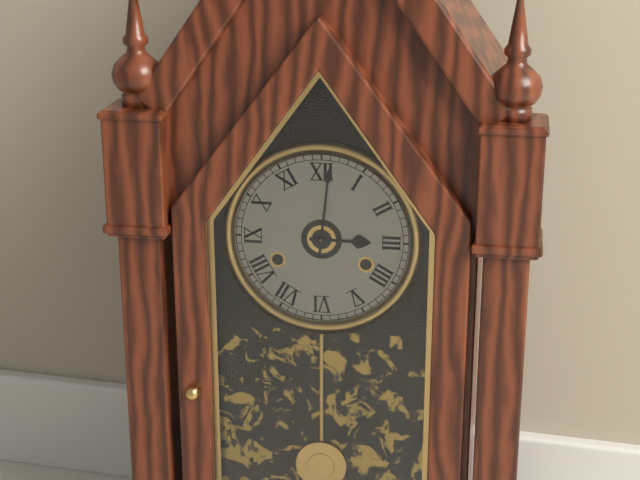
3:01
